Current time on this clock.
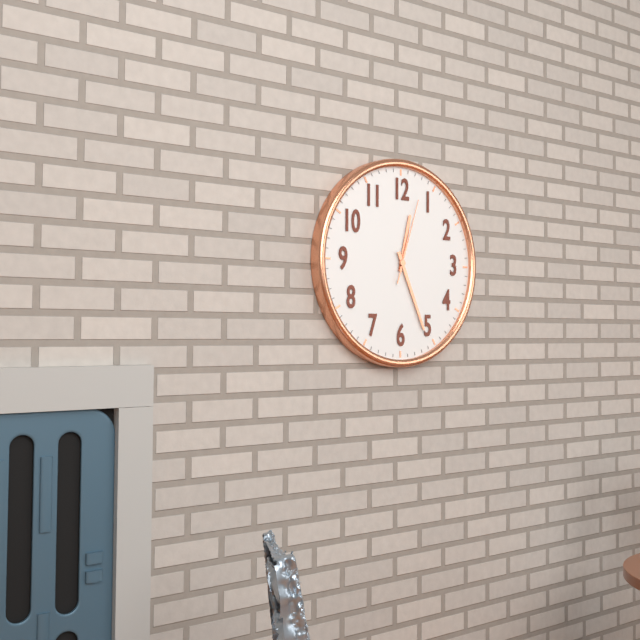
12:26:03
